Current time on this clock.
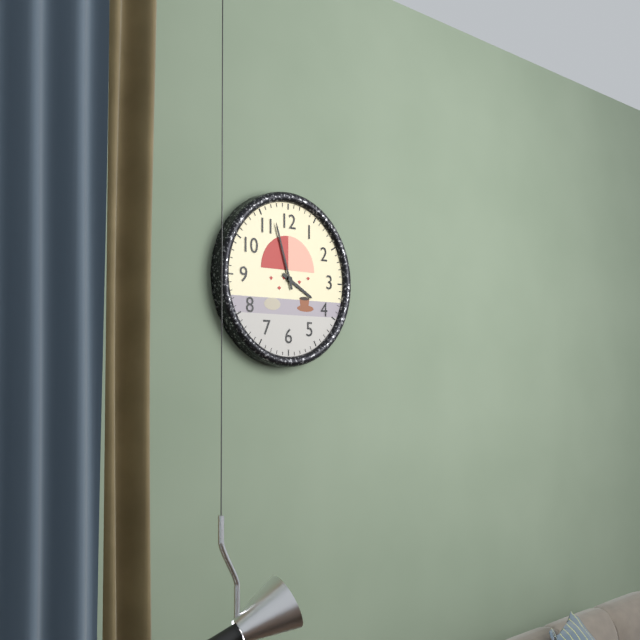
3:57
